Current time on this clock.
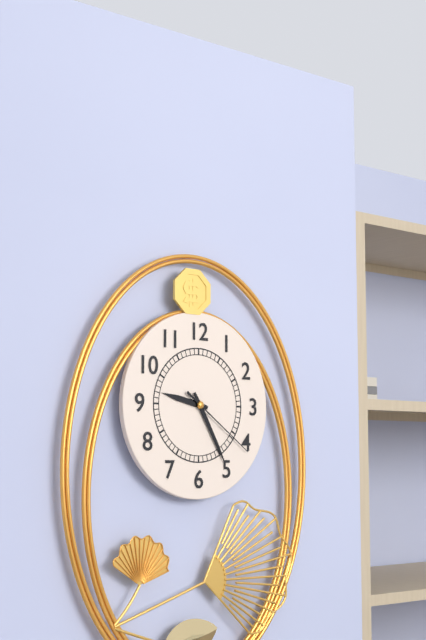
9:25:21
